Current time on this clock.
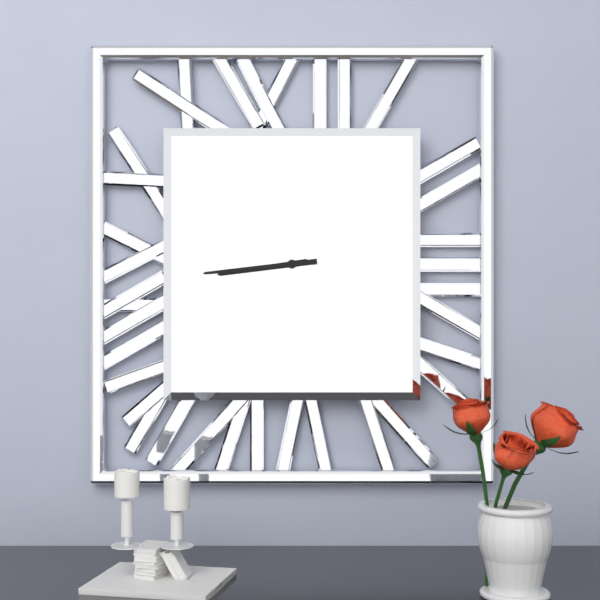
8:44
